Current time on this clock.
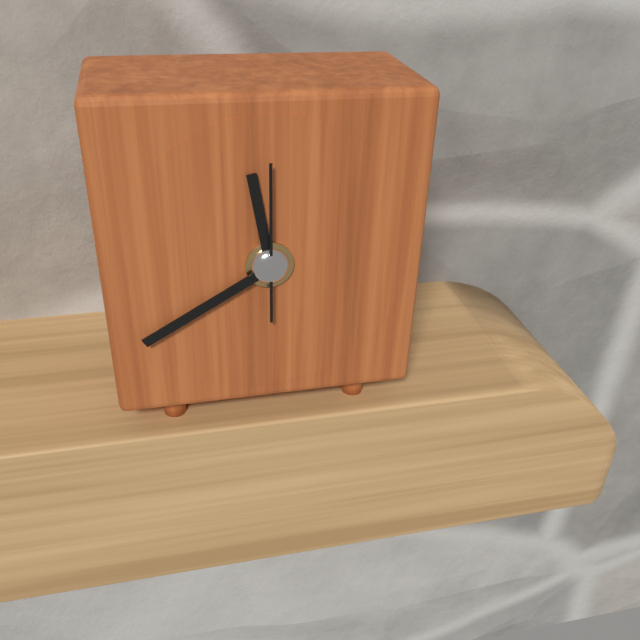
11:40:00
